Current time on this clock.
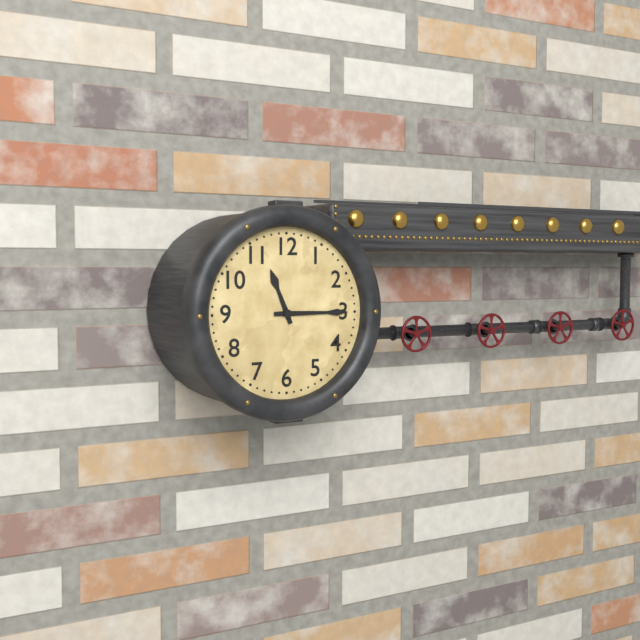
11:15
